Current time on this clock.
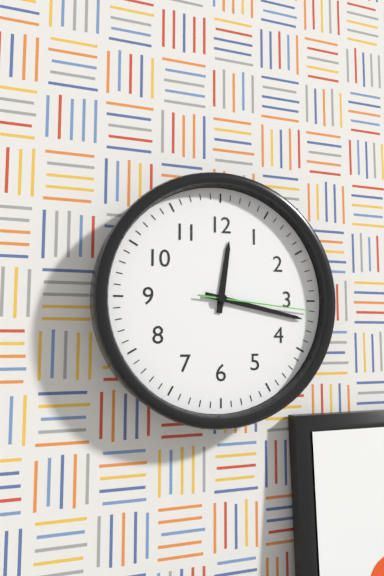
12:17:16
